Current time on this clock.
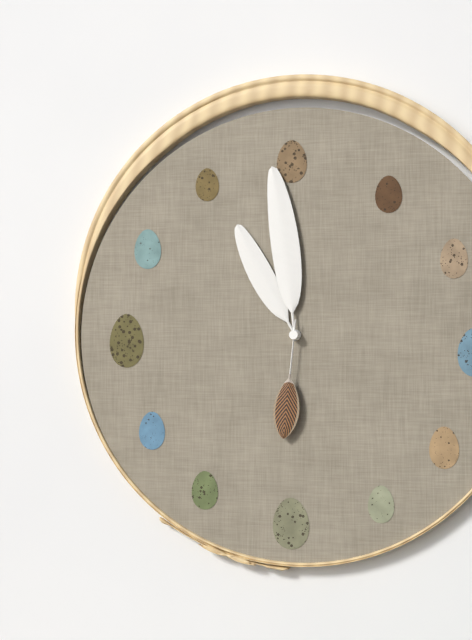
10:59:31
